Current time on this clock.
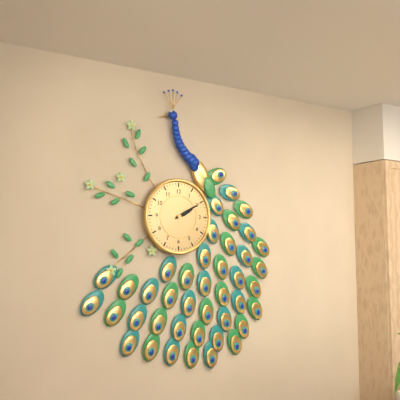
2:10
